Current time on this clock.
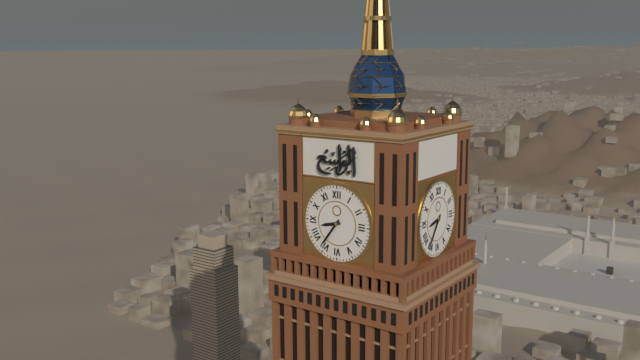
8:36
